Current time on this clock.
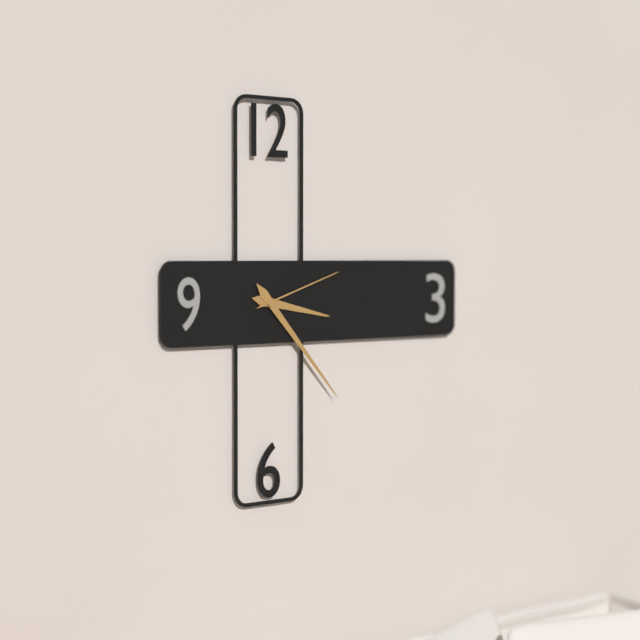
3:23:12
